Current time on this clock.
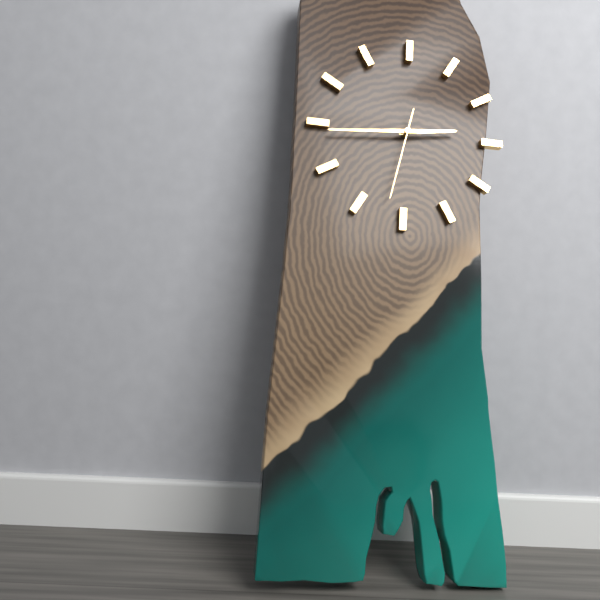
2:44:32
